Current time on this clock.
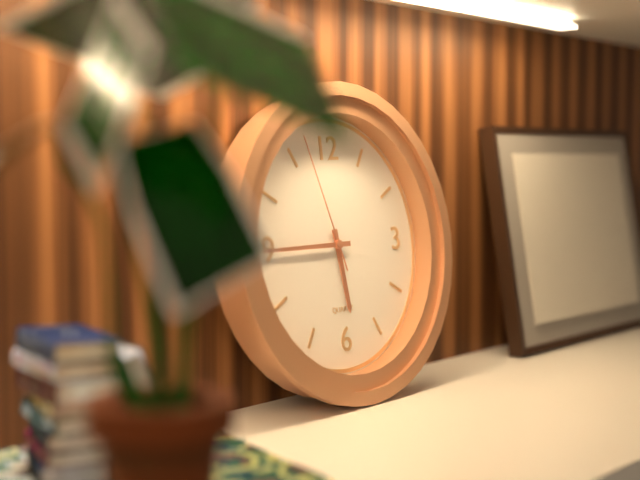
5:45:57
